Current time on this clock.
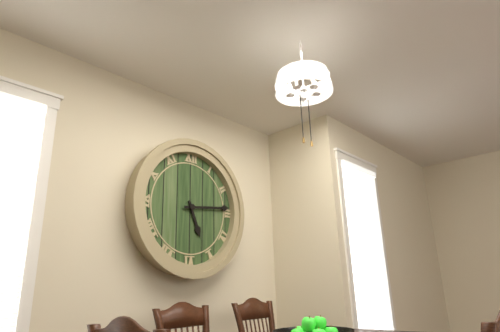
5:14
